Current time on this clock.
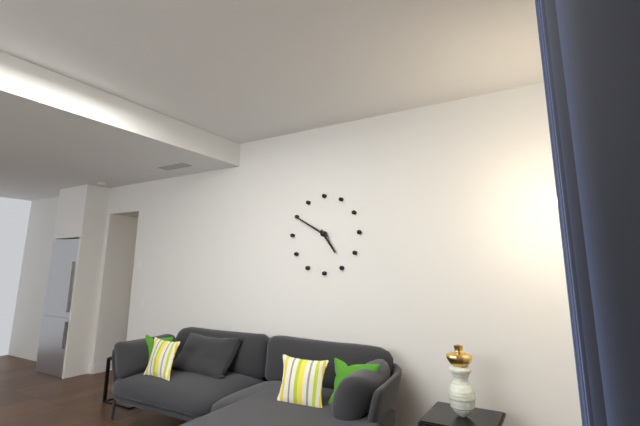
4:50
